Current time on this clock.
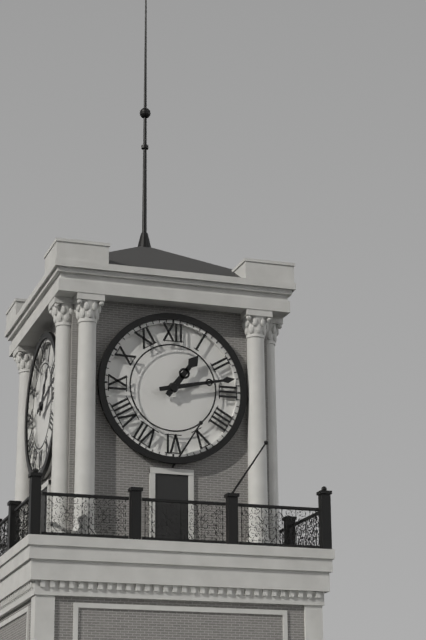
1:13
